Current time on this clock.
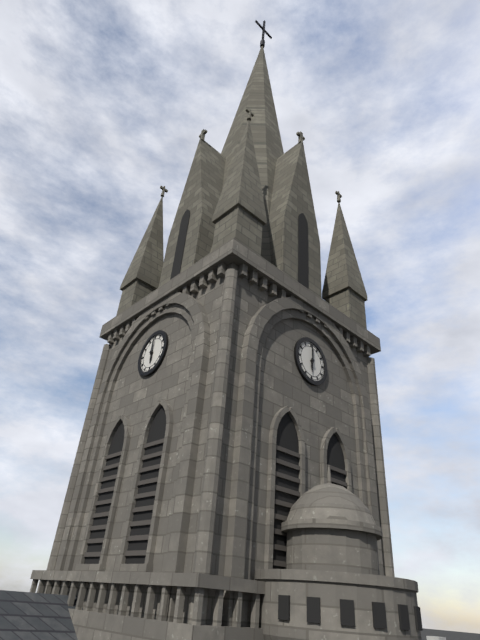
6:00
